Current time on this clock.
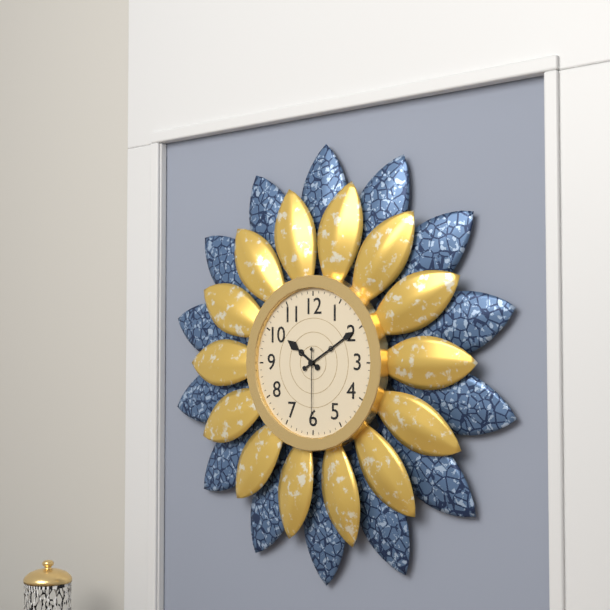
10:10:30
